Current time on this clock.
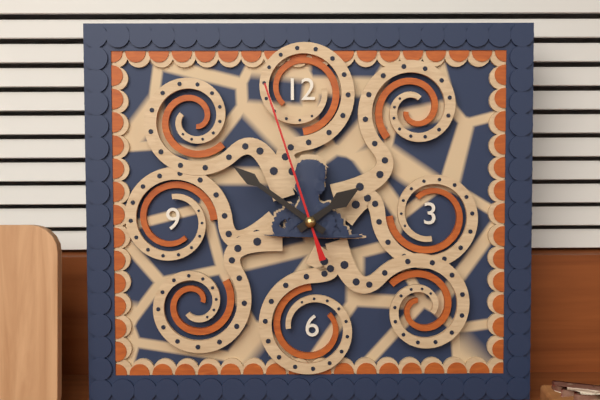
1:51:57
